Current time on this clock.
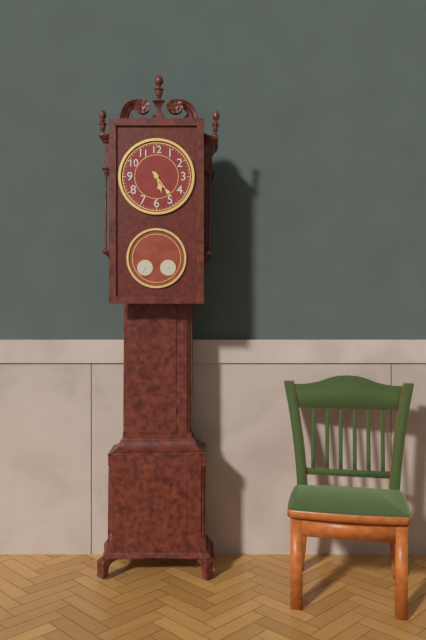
5:24
